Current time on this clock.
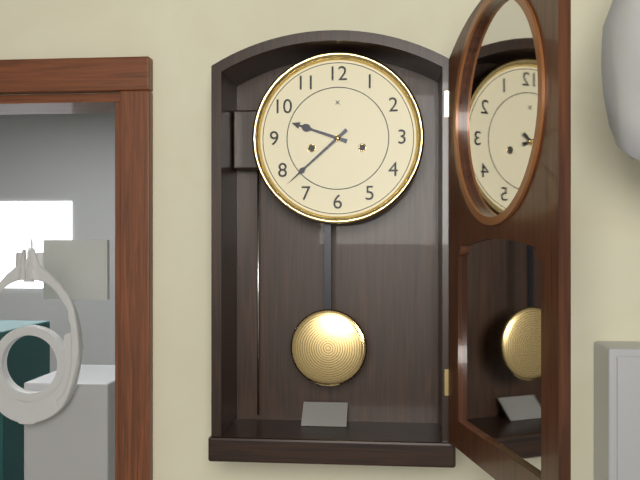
9:38
